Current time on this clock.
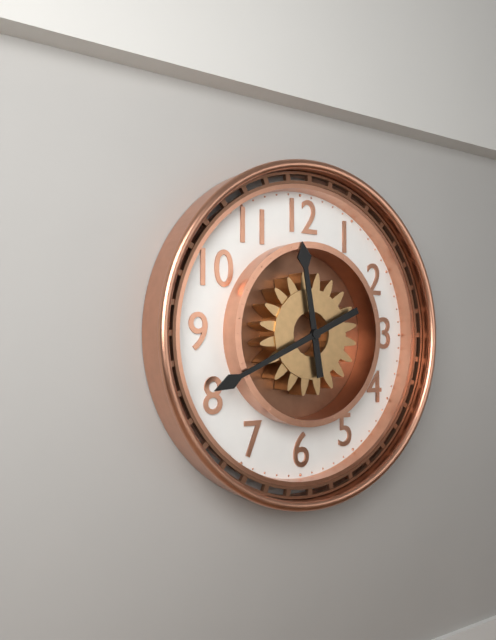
11:41
